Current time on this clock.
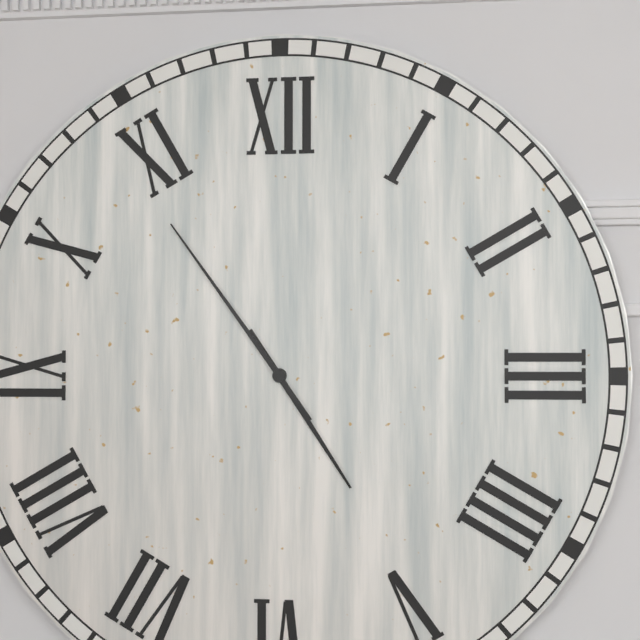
4:54
